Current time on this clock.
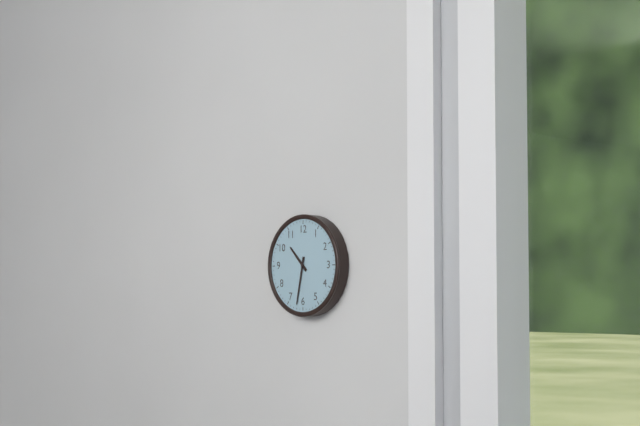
10:32
